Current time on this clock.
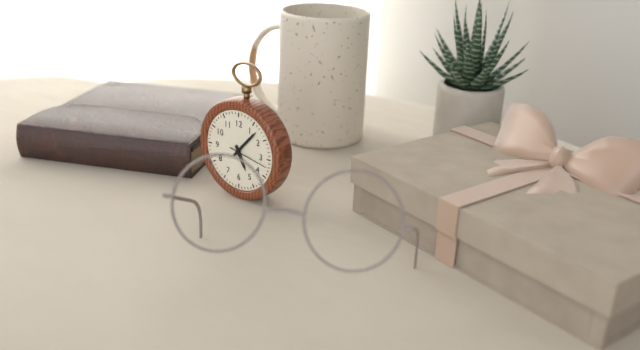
5:07
